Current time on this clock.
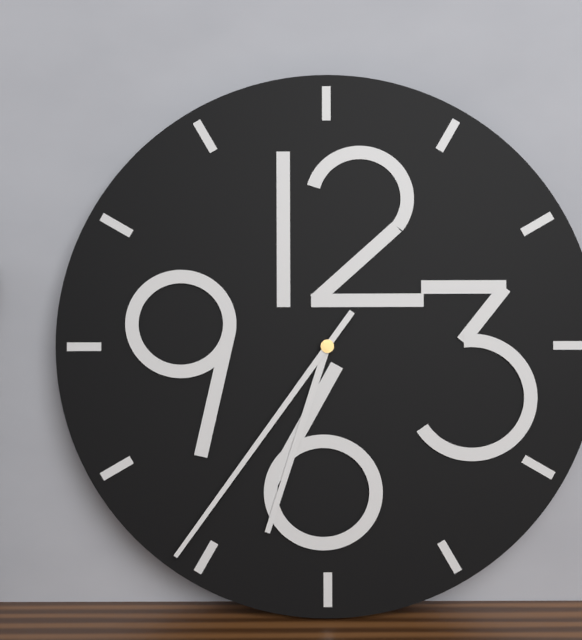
6:36
